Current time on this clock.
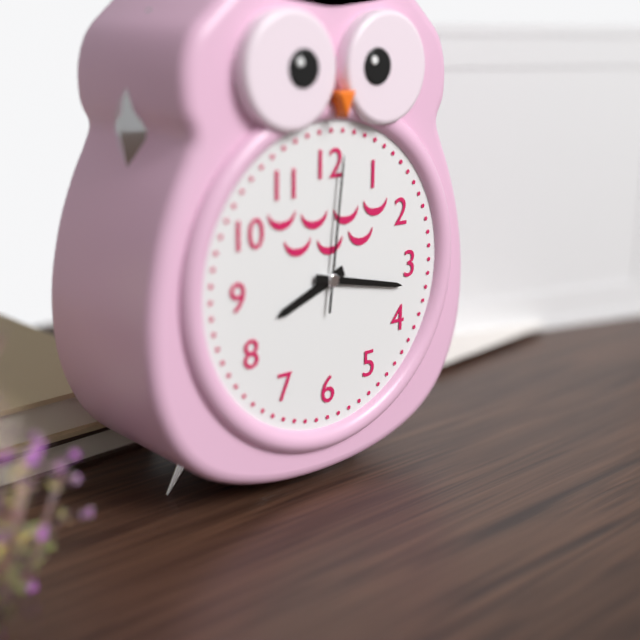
8:17:01
